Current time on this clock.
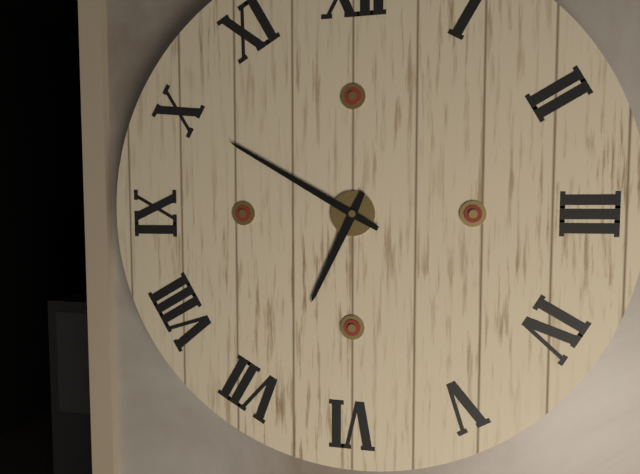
6:50
